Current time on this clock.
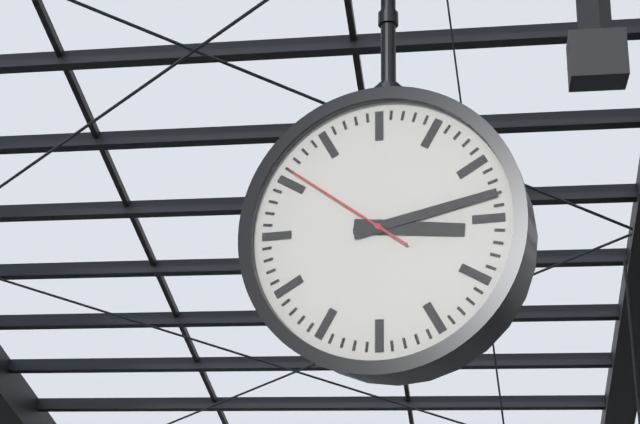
3:13:51
